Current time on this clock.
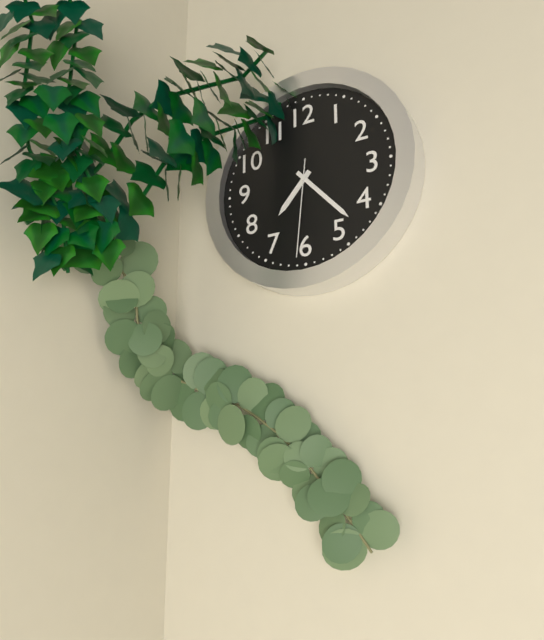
7:23:31
